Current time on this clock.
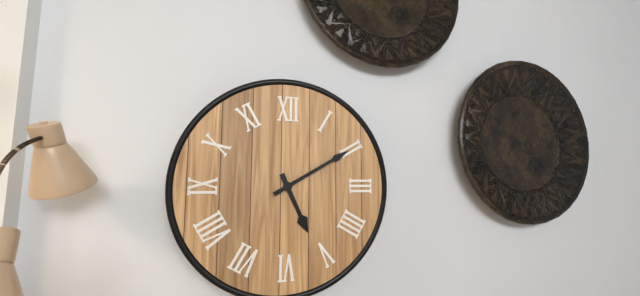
5:10
